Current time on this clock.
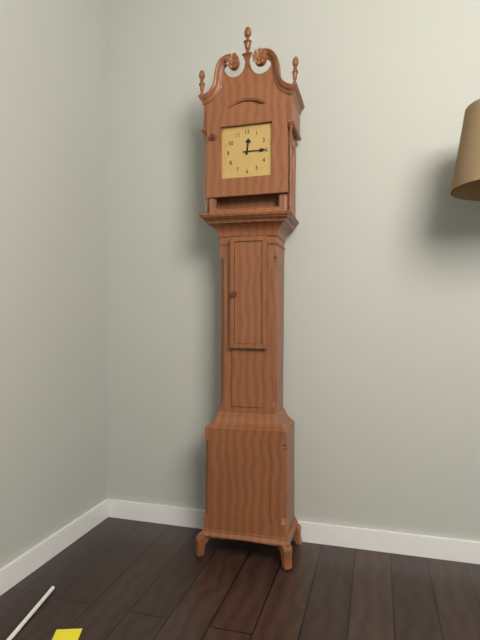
12:15
